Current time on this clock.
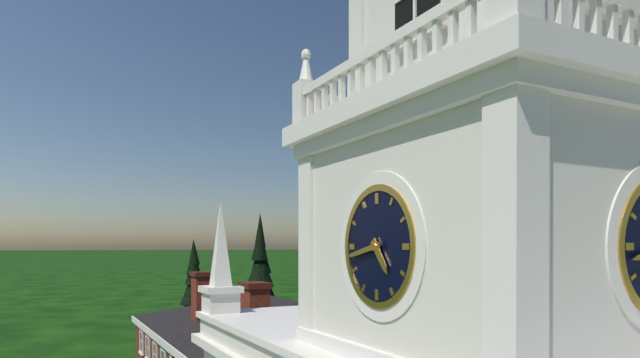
4:43
